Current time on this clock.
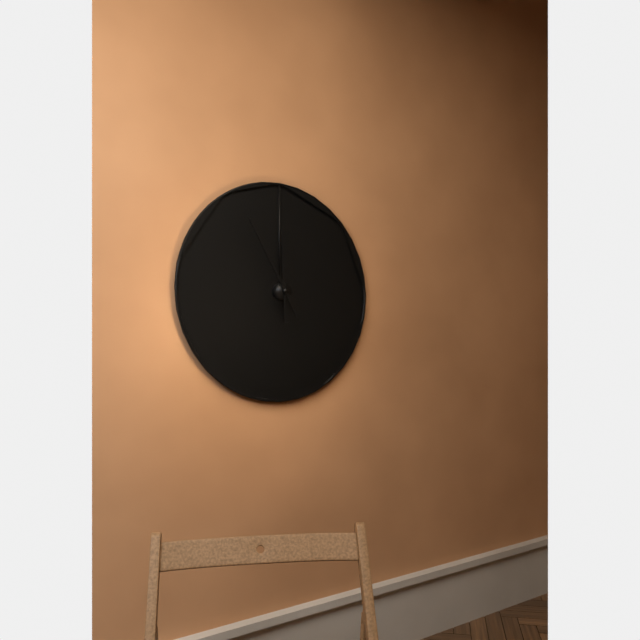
11:55
